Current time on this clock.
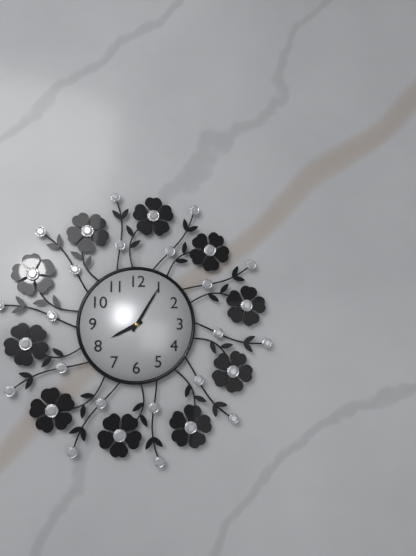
8:05
